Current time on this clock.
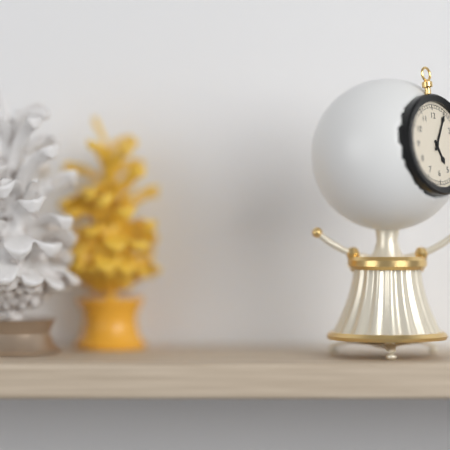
5:05
